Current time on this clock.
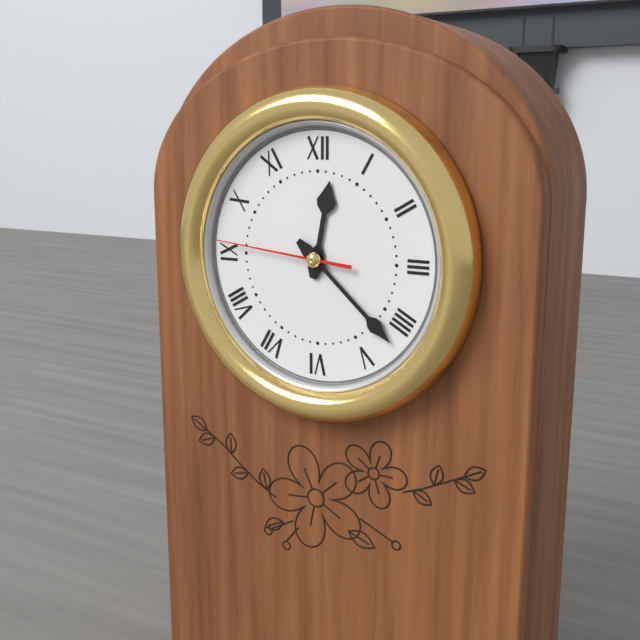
12:22:46
